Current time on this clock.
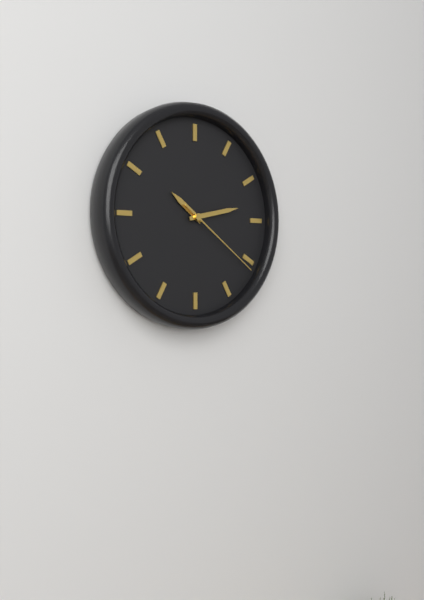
10:13:21
